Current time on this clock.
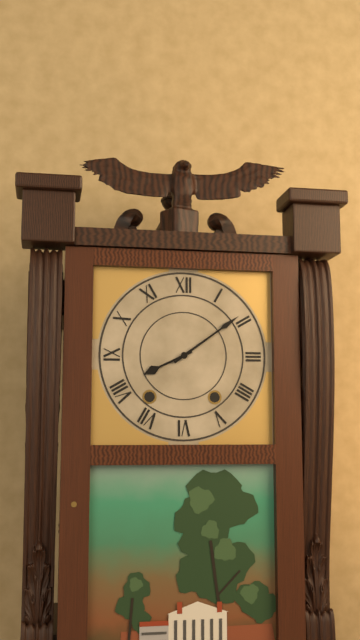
8:09
